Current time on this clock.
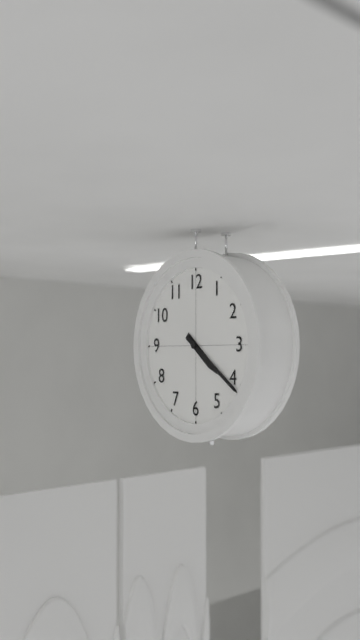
4:21
